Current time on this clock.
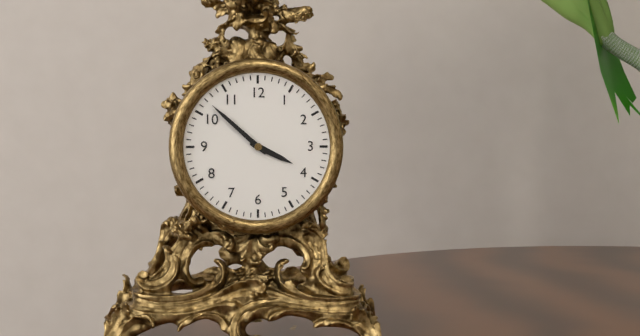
3:52
